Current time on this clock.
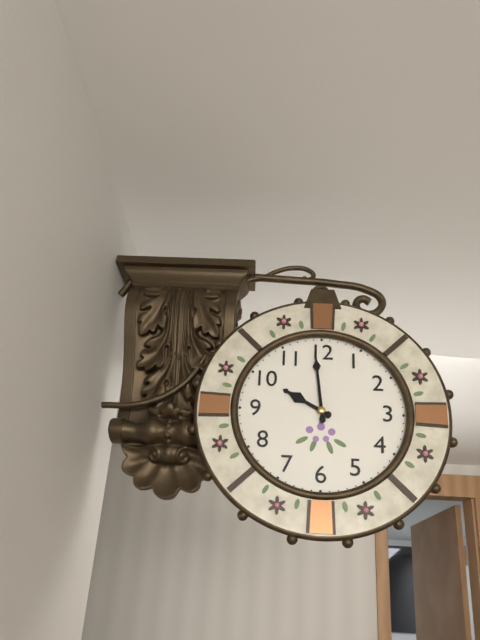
9:59
